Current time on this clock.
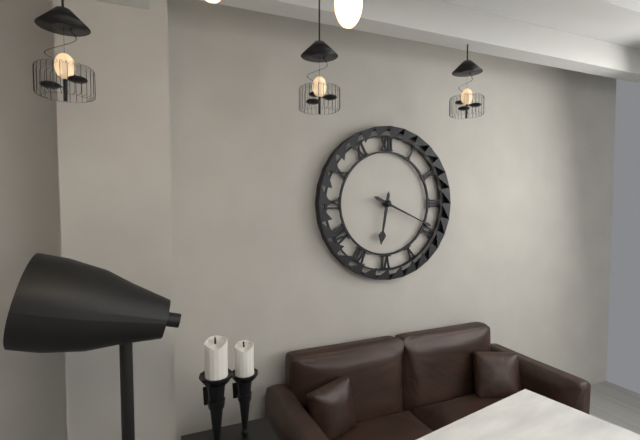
6:19
